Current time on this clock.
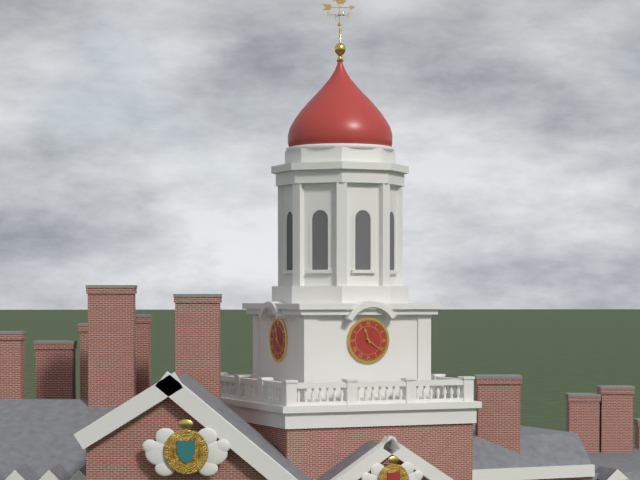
11:21
